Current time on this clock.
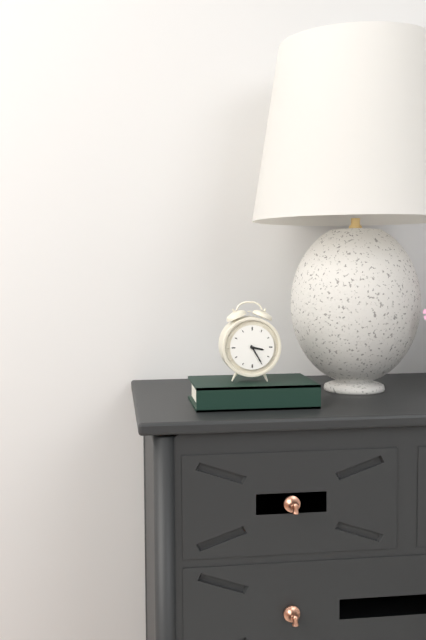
3:25
